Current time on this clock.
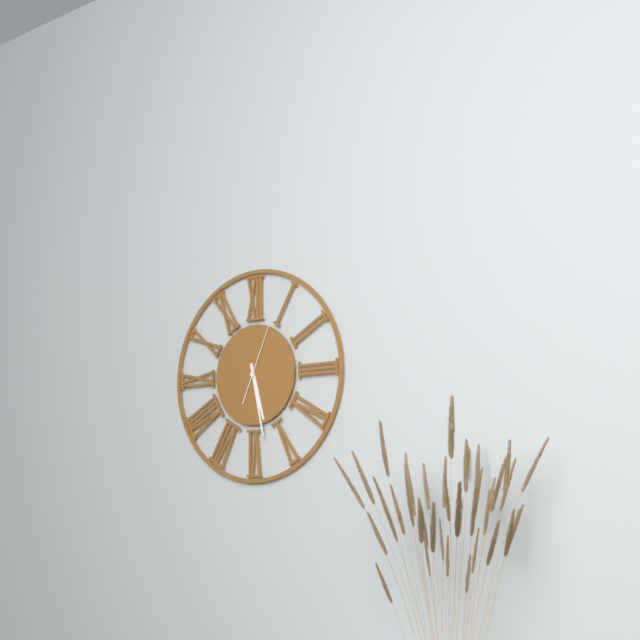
5:28:04
